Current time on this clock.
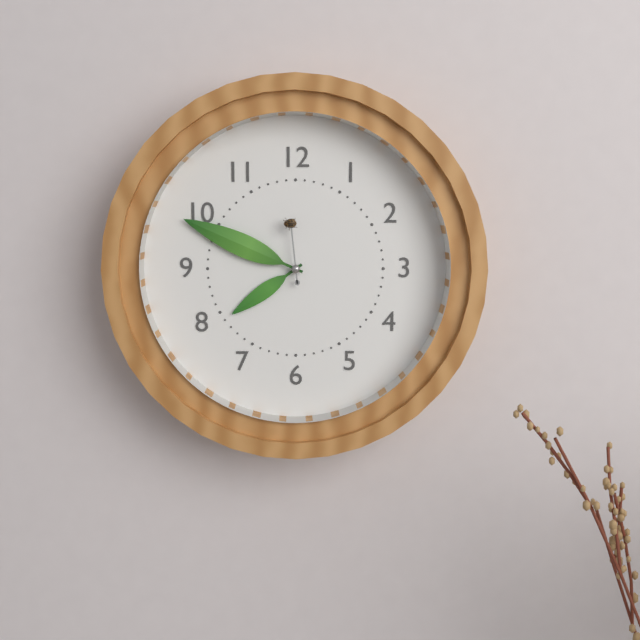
7:49:59
